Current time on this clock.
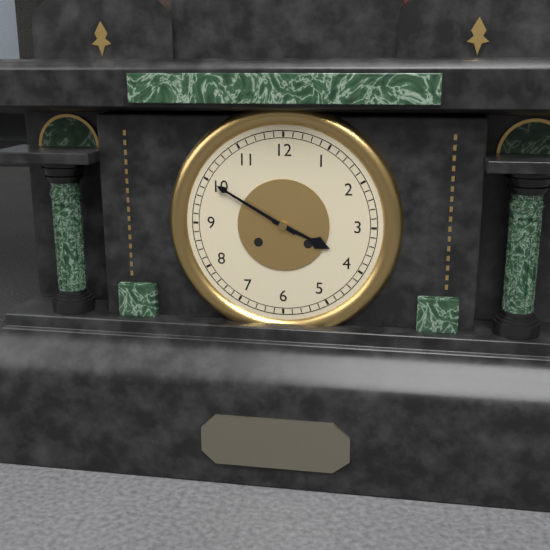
3:50
